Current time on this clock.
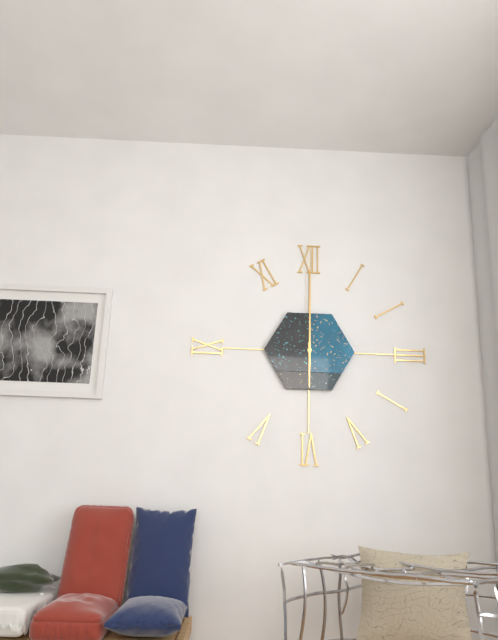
6:00
